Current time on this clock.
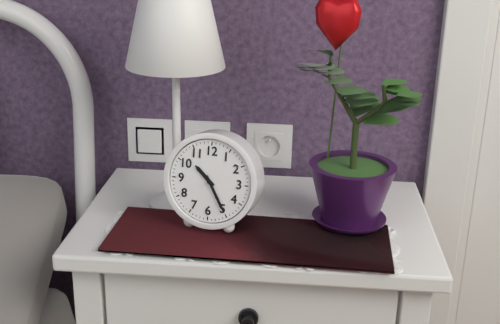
10:25
